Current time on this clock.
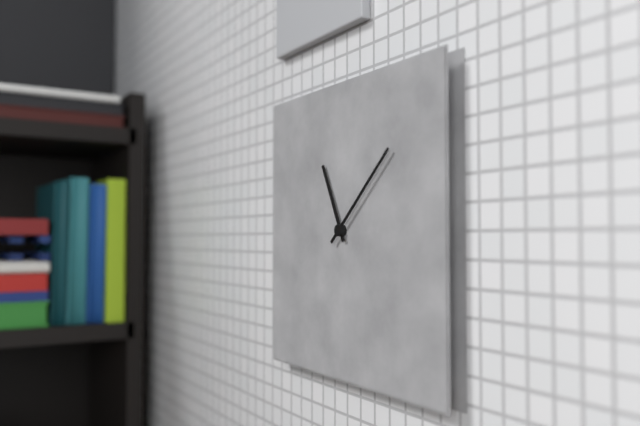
11:08
